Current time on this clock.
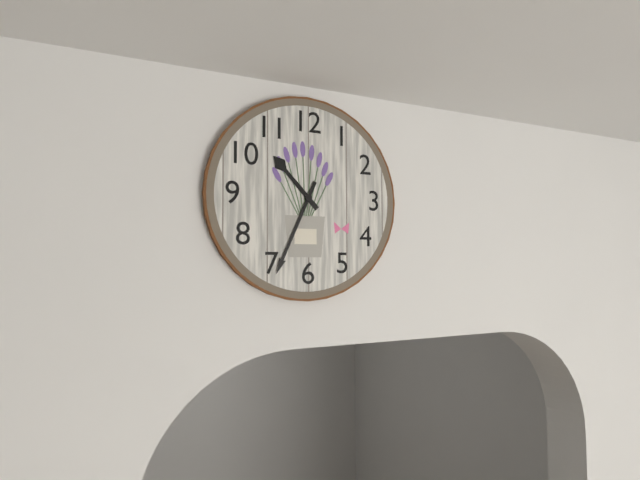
10:34
